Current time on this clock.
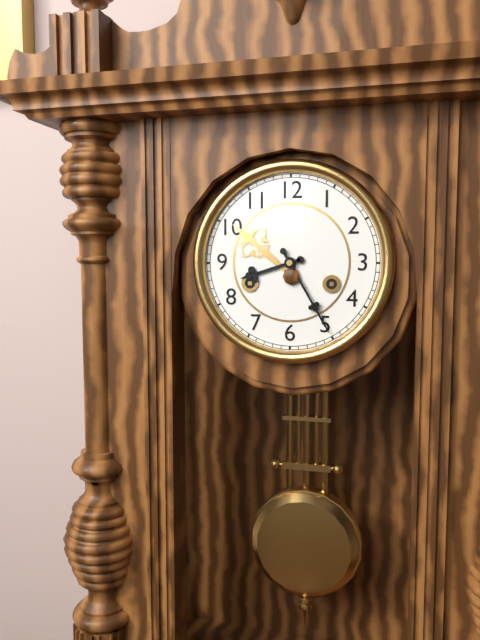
8:25
